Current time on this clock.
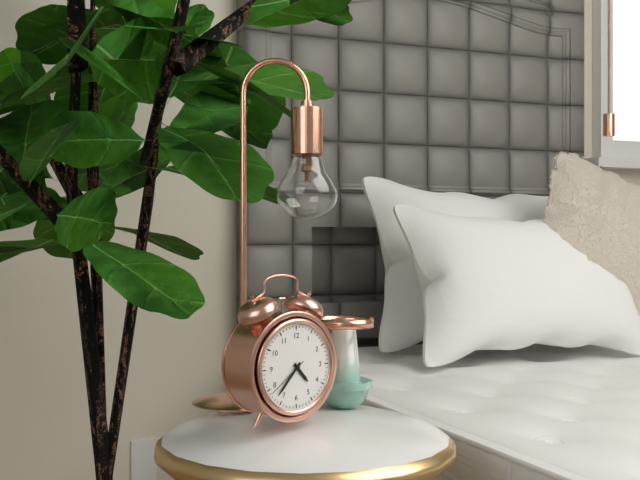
4:37
